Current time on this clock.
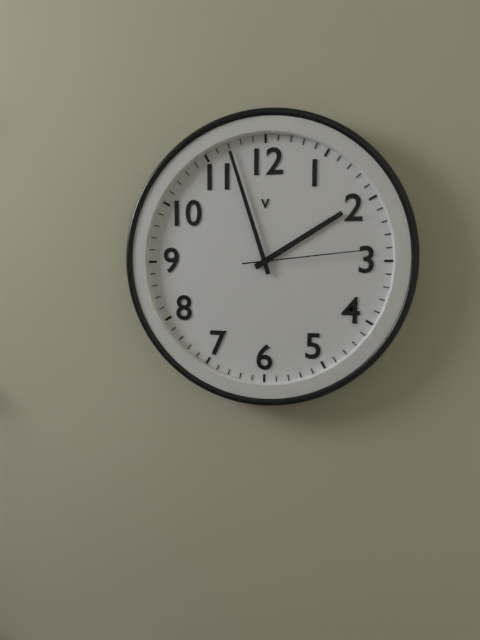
1:57:14
